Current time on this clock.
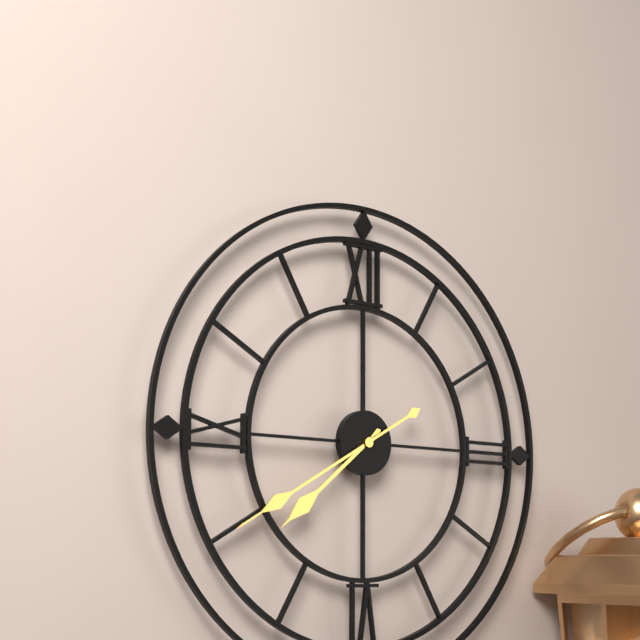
7:40
